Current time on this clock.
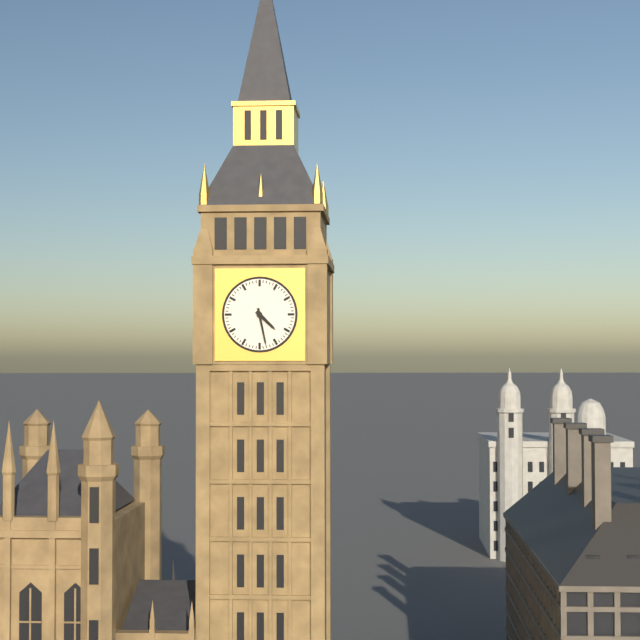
4:28
